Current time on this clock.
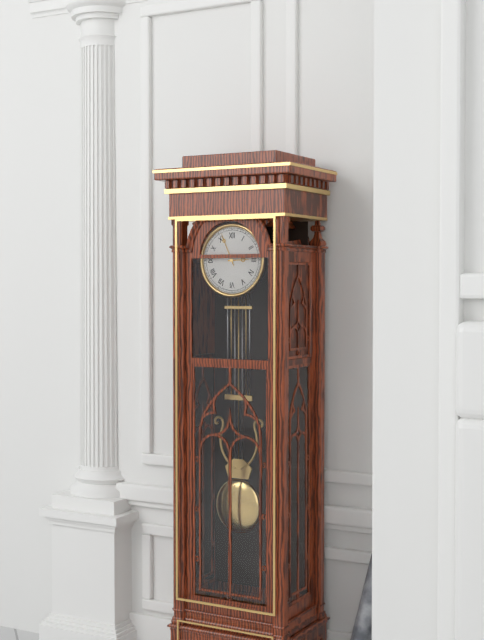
2:56
